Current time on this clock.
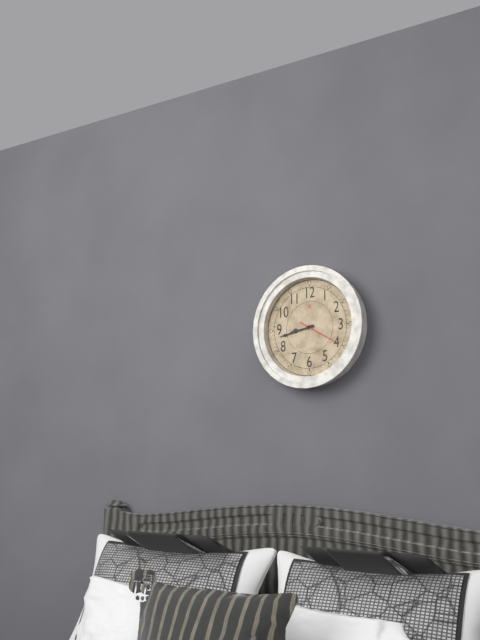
8:43
